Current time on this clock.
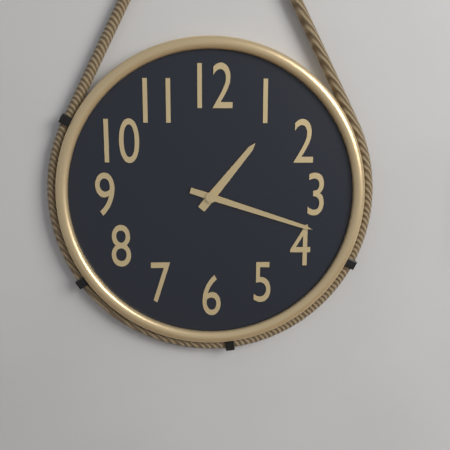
1:18
